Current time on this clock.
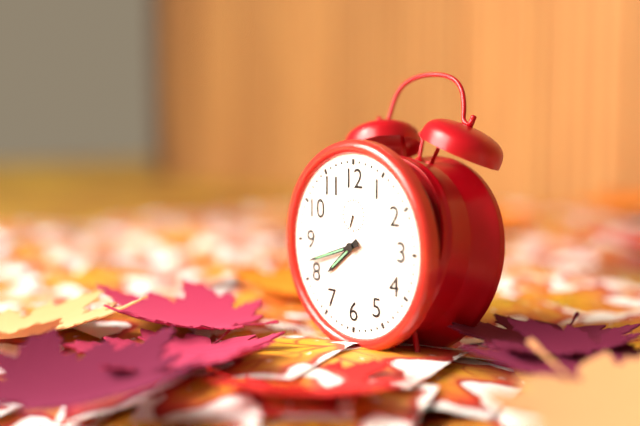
7:42
